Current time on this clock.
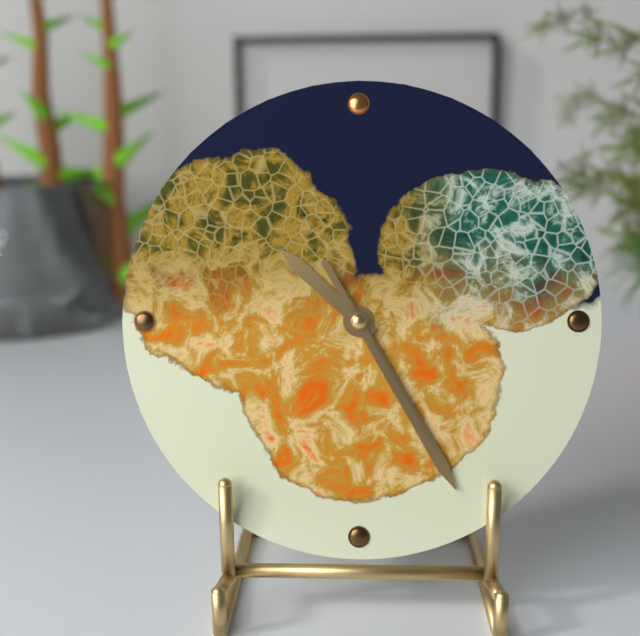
10:25:25
